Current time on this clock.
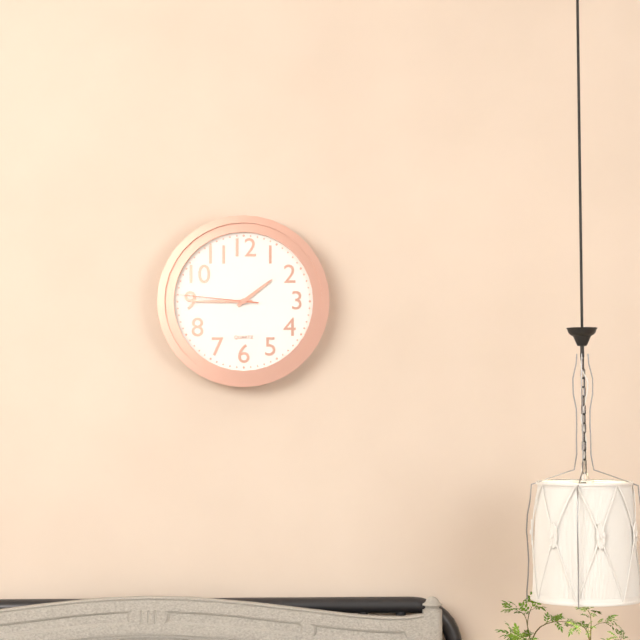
1:45:46
